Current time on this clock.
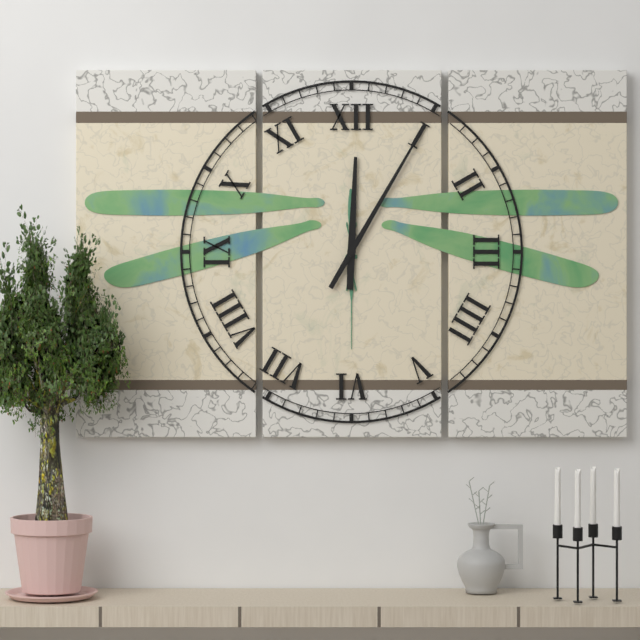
12:05
